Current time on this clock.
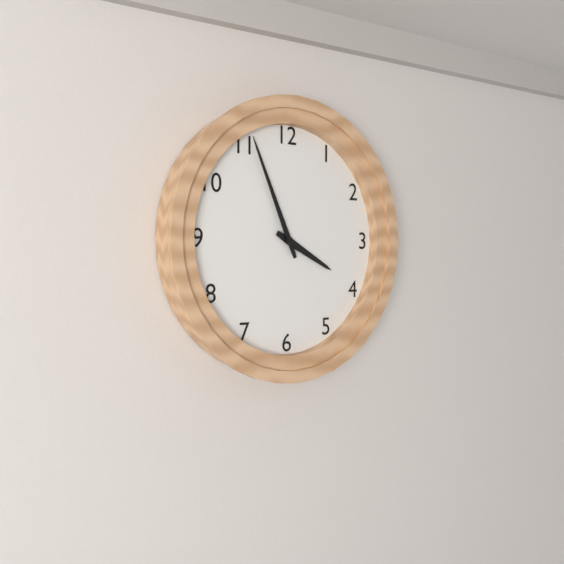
3:56
